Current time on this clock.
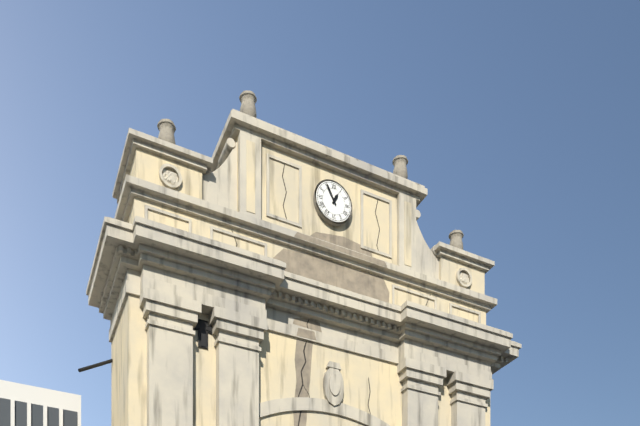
12:55
